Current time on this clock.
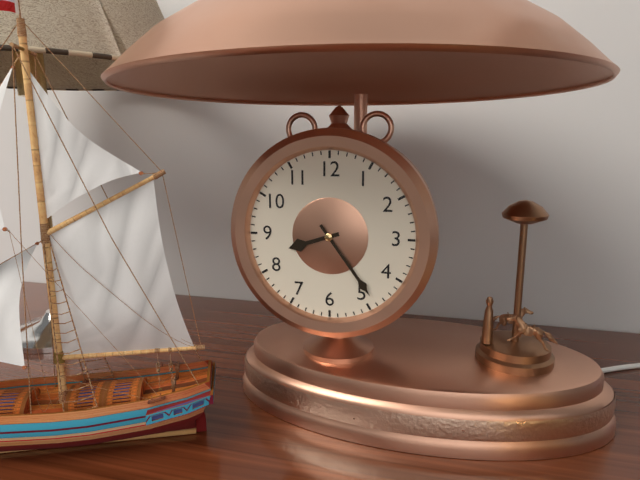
8:24
